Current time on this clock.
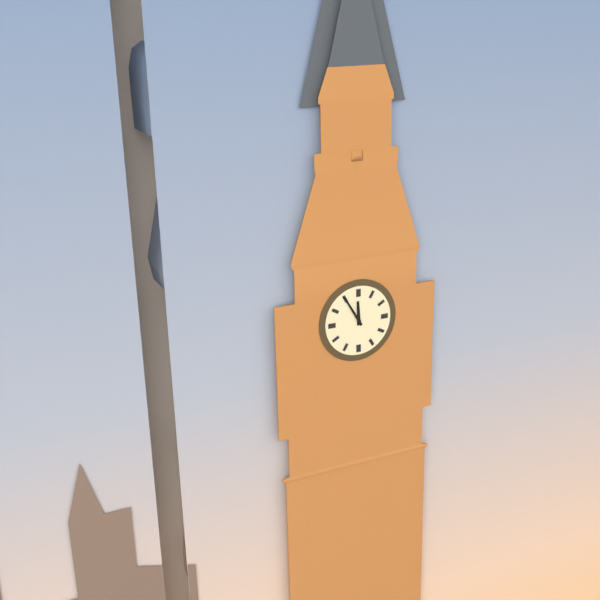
11:55
